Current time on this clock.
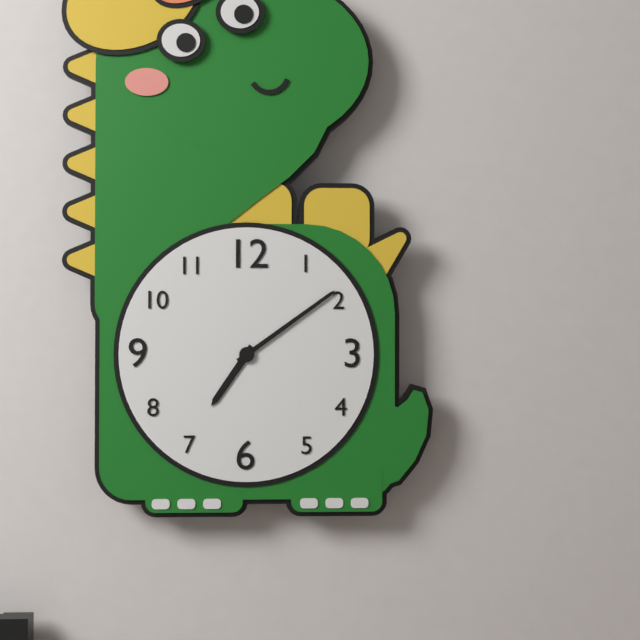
7:09
